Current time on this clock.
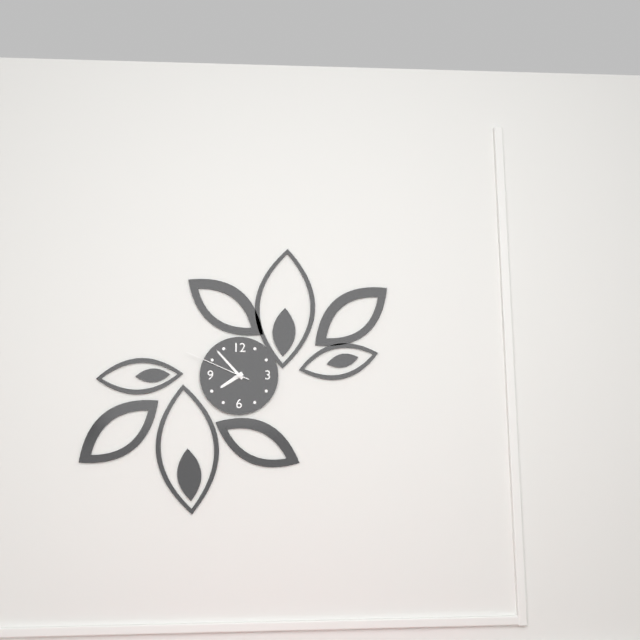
7:53:49
